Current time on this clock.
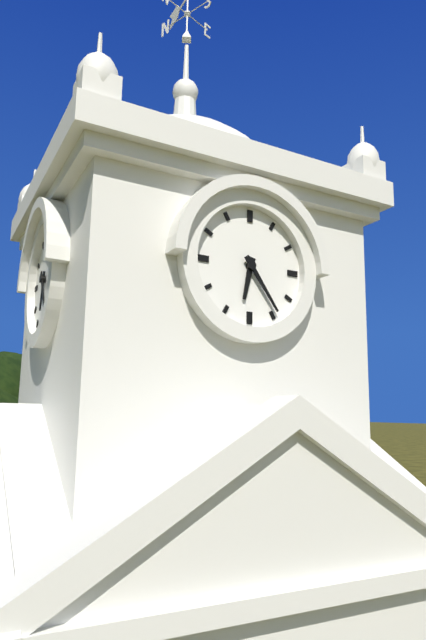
6:24
